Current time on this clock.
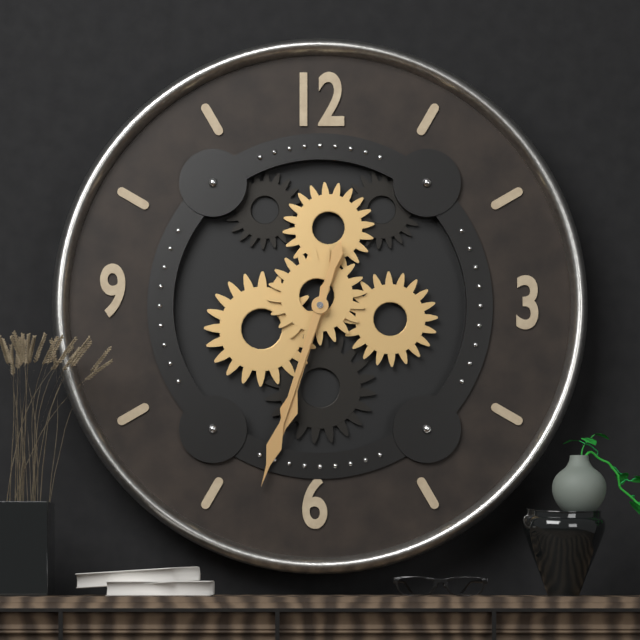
6:33
